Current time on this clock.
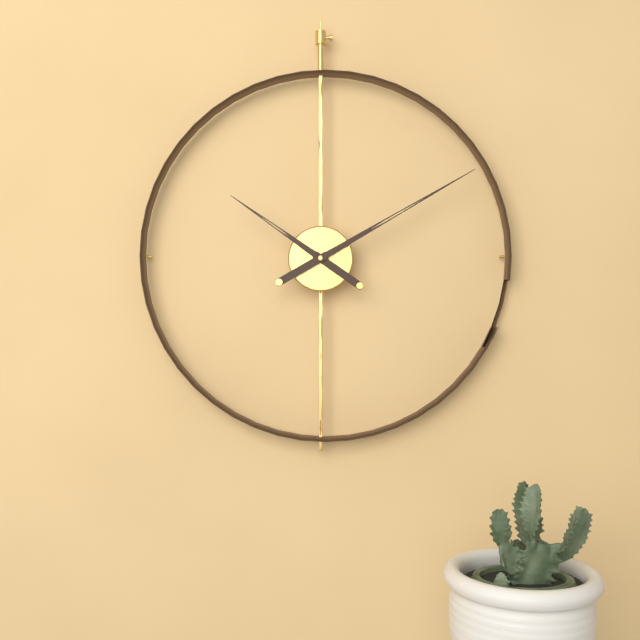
10:10
